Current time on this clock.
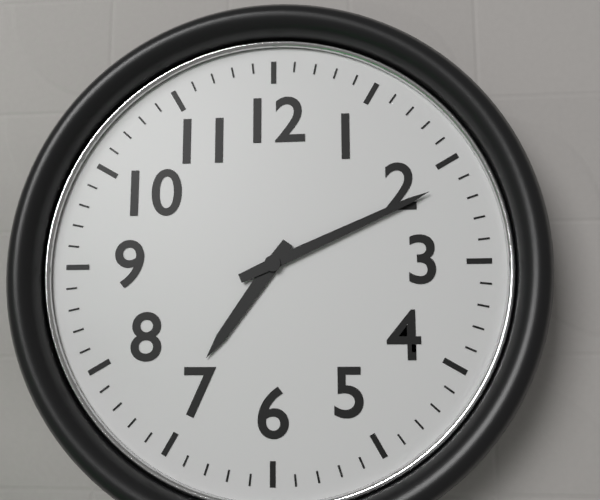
7:11
